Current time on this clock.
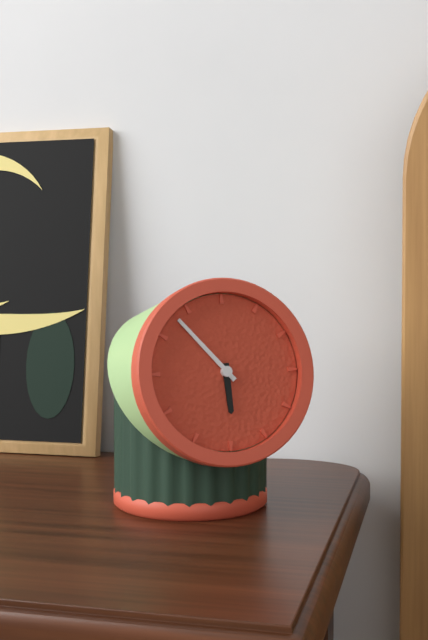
5:53
